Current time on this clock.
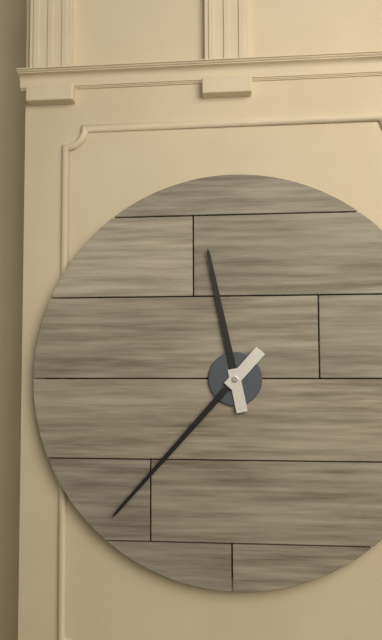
11:37
